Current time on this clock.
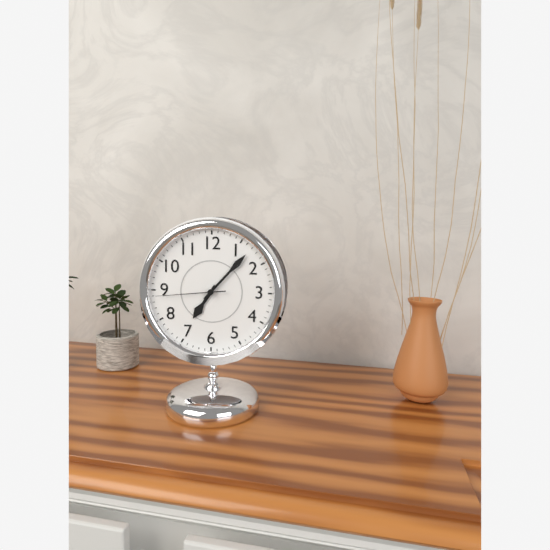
7:07:44
